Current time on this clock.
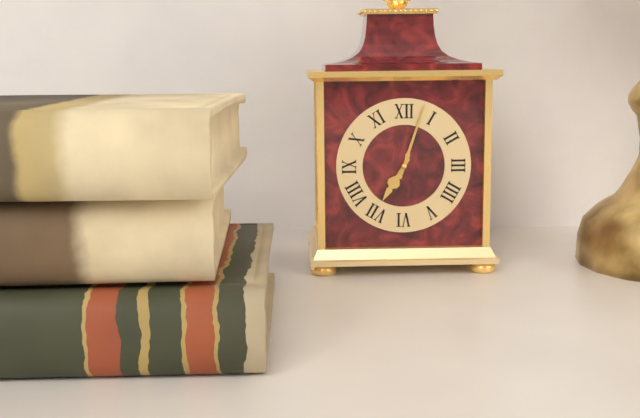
7:03
